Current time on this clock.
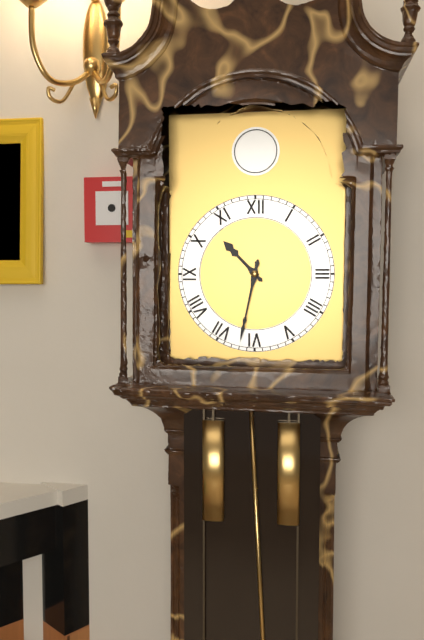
10:32
